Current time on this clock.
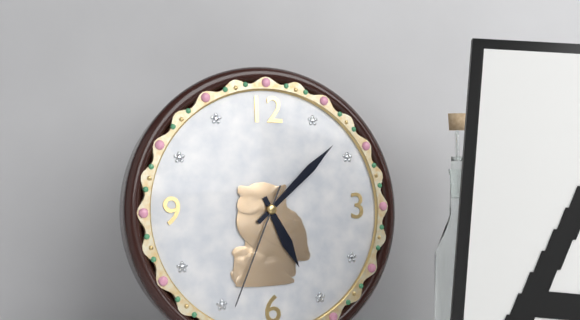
5:08:34
